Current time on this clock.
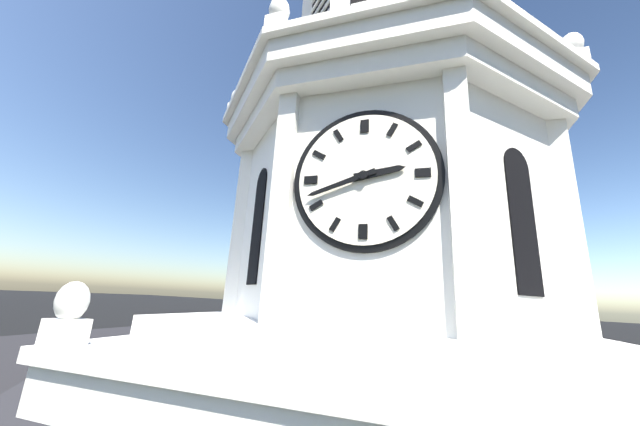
2:42
